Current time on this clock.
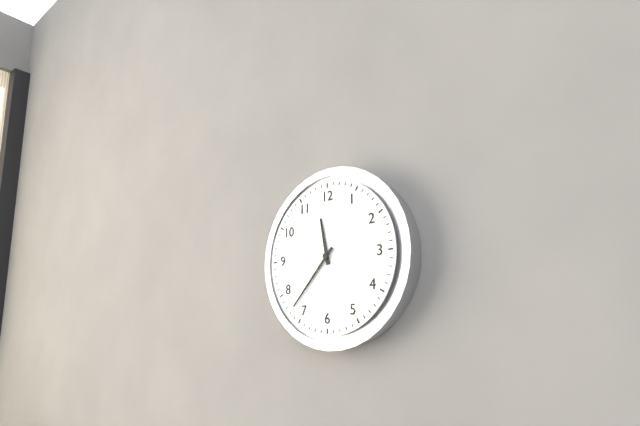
11:37
